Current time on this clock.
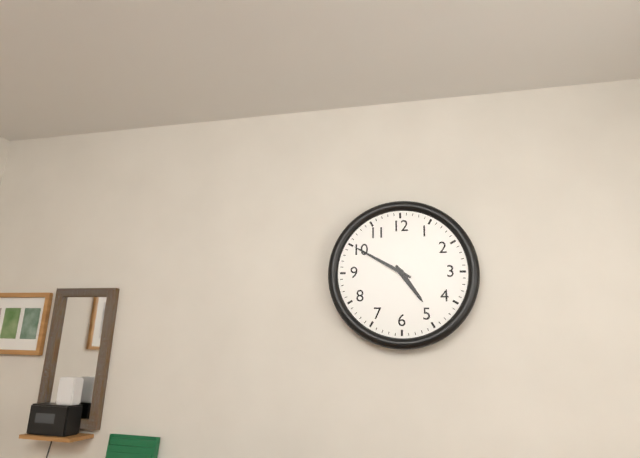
4:50
